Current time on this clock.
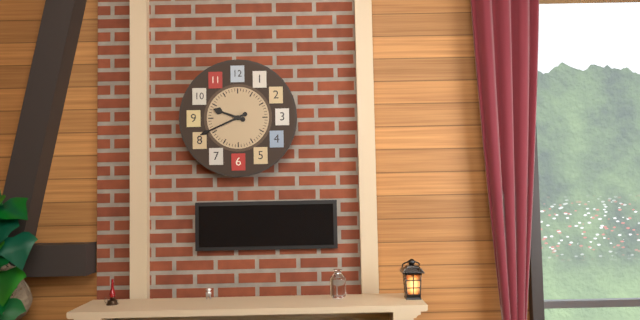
9:41
